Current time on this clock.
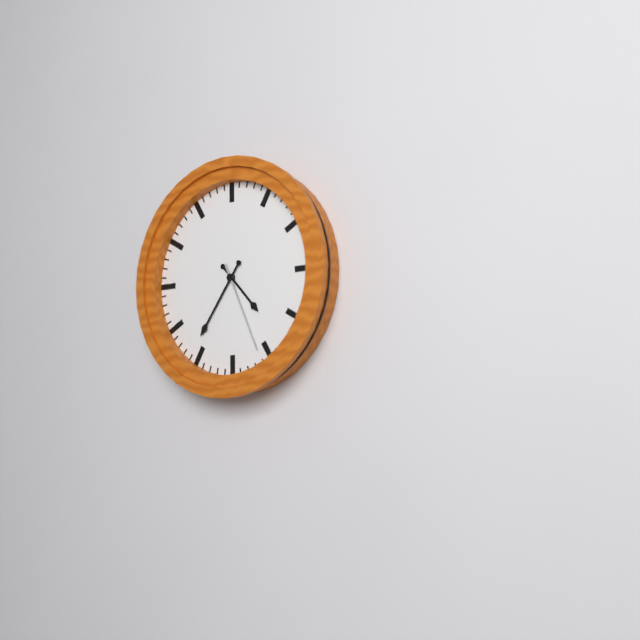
4:36:26
